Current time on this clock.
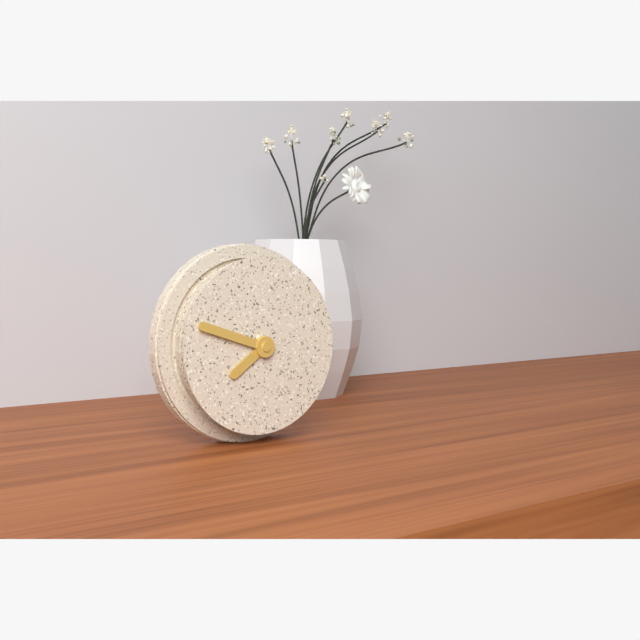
7:48
